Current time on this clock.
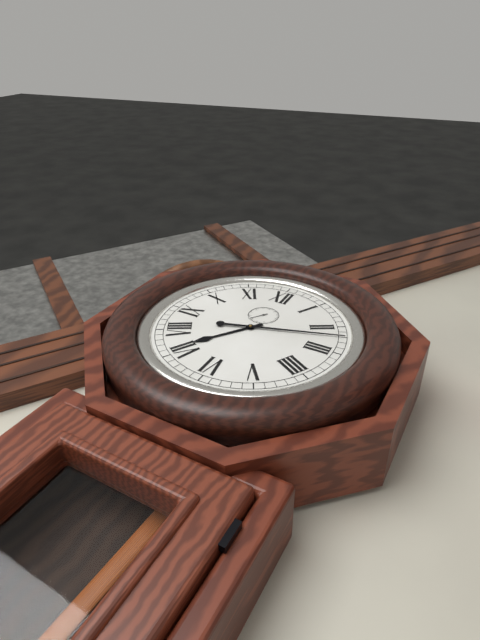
7:12
